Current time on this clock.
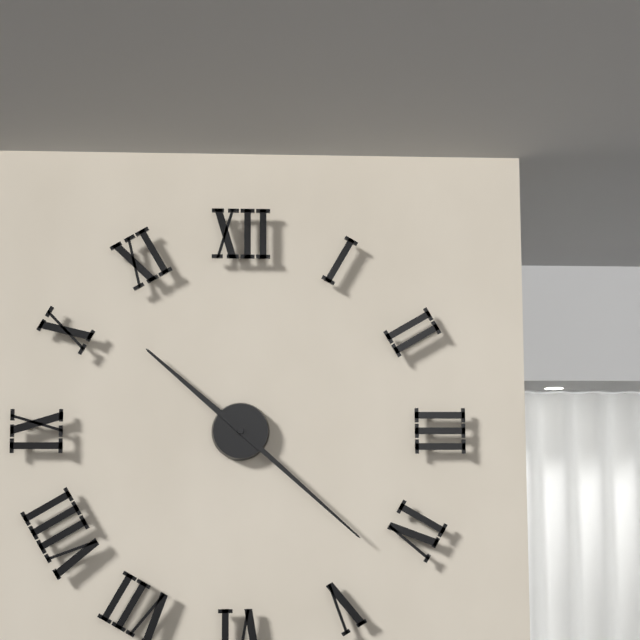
10:22
